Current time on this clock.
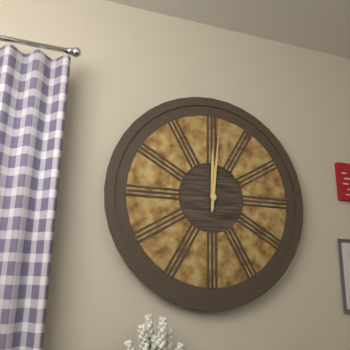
12:01
